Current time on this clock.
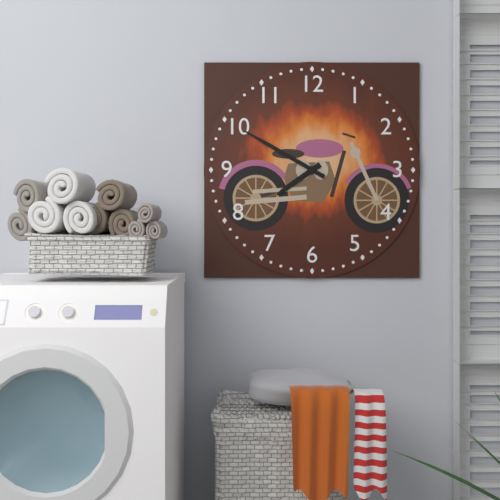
7:50
